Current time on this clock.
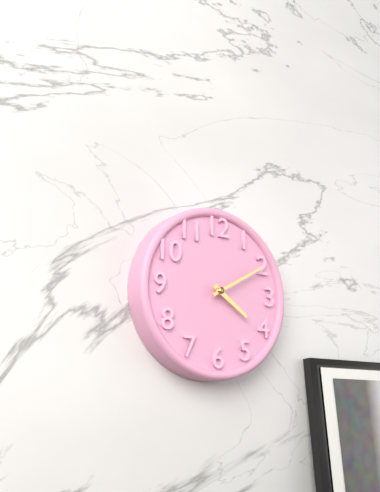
4:10
